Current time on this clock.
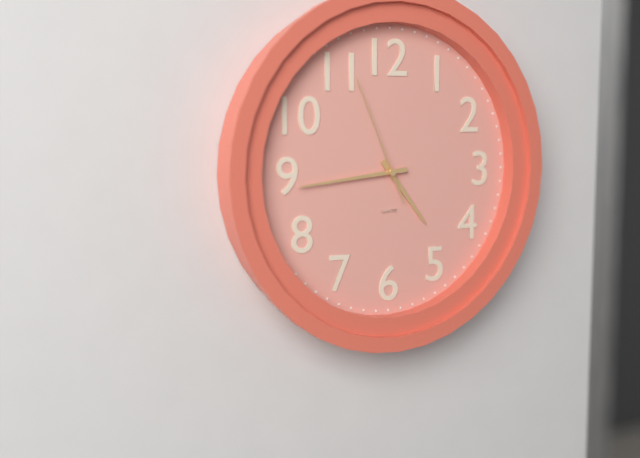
4:44:56
